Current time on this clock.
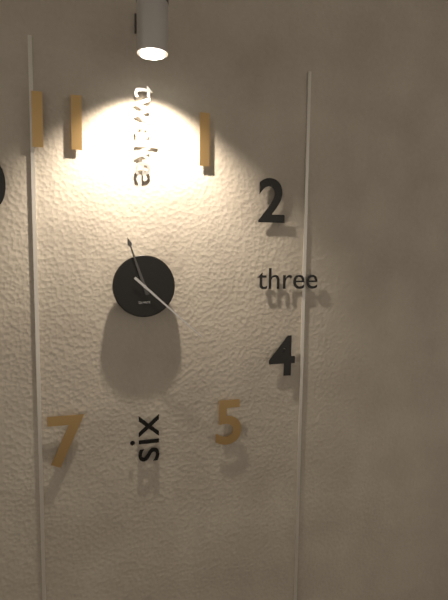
11:22
